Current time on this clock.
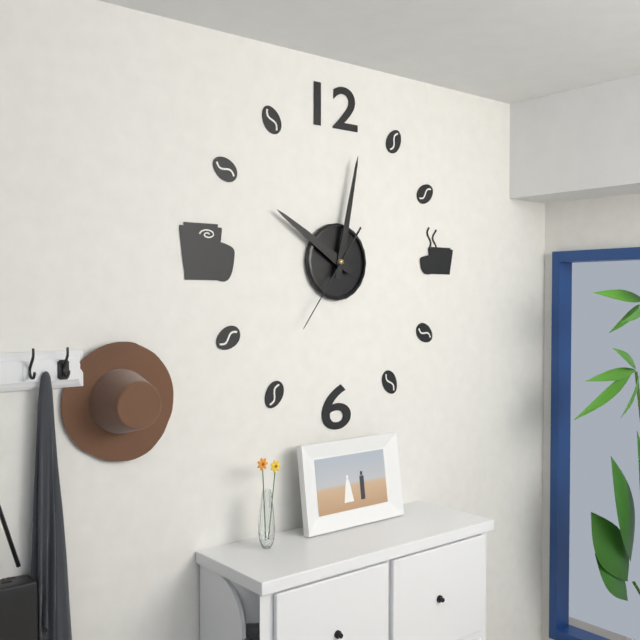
10:02:36
